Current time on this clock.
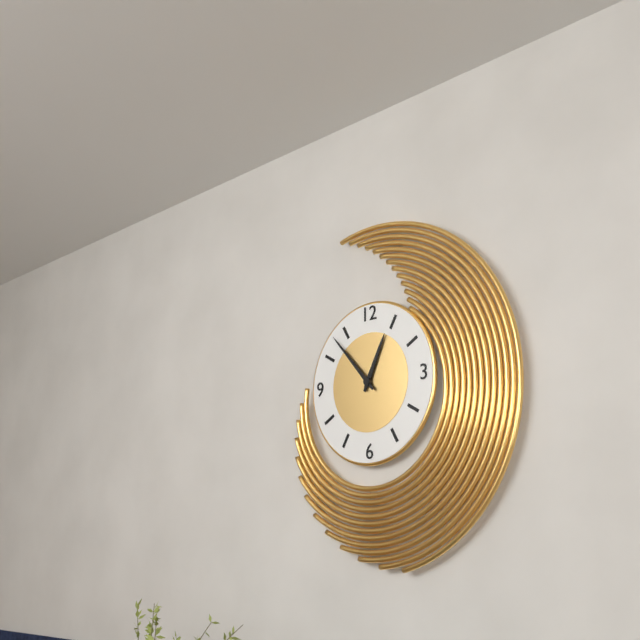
12:53
